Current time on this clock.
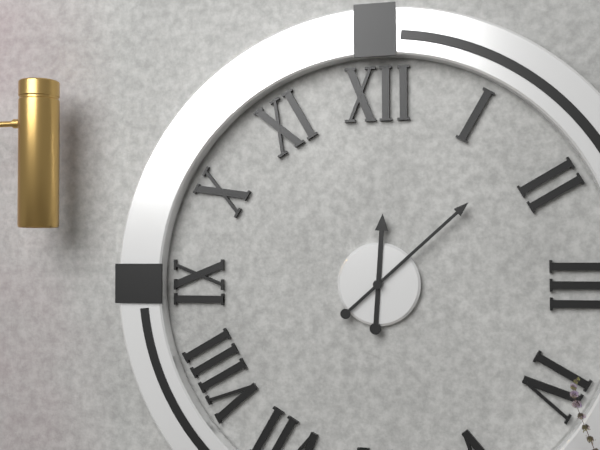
12:08
